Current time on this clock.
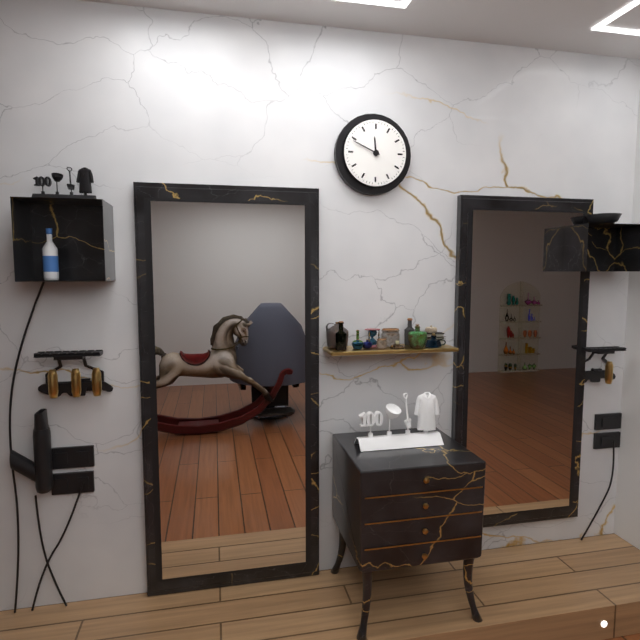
11:49
